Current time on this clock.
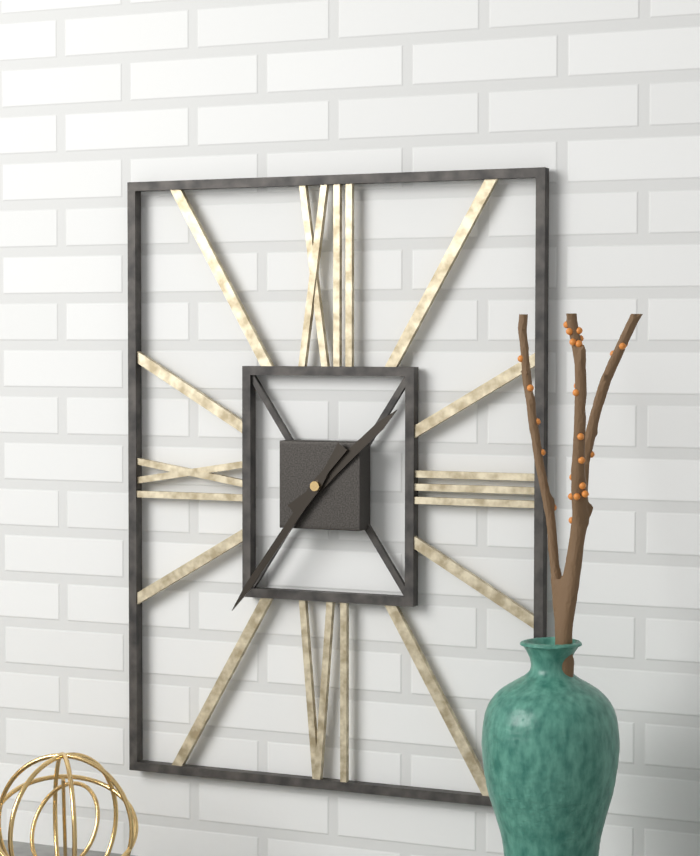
1:36
